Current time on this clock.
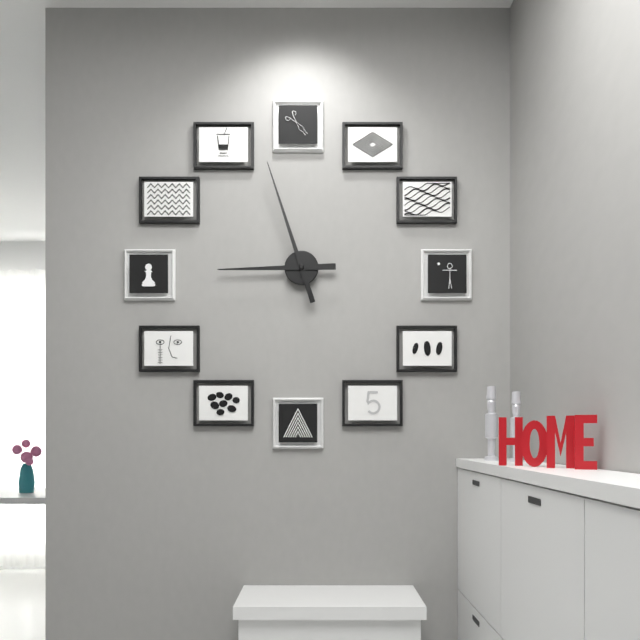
8:57
